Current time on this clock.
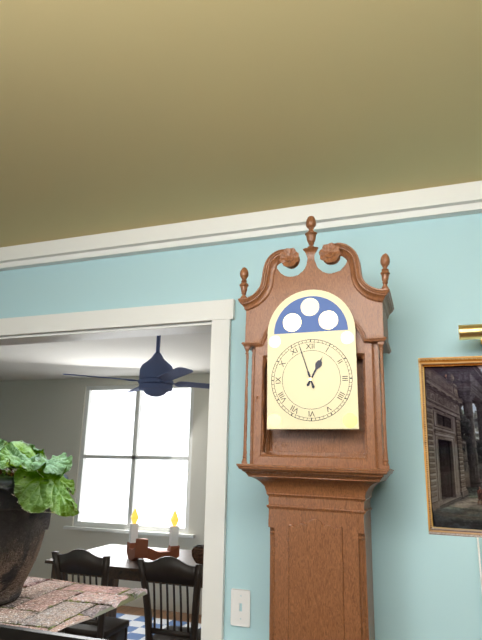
12:57
